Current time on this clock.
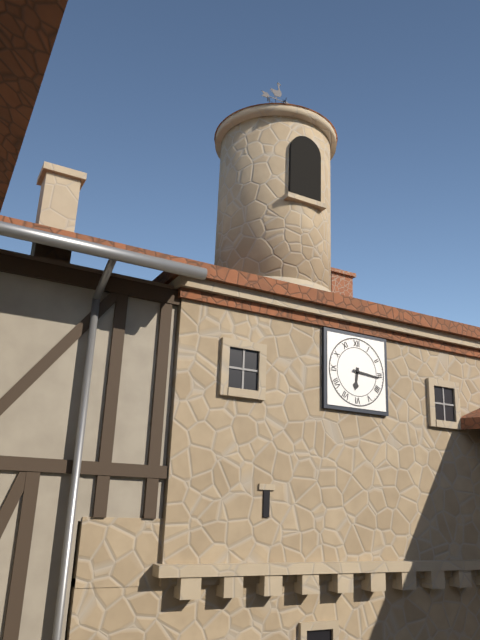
6:16
